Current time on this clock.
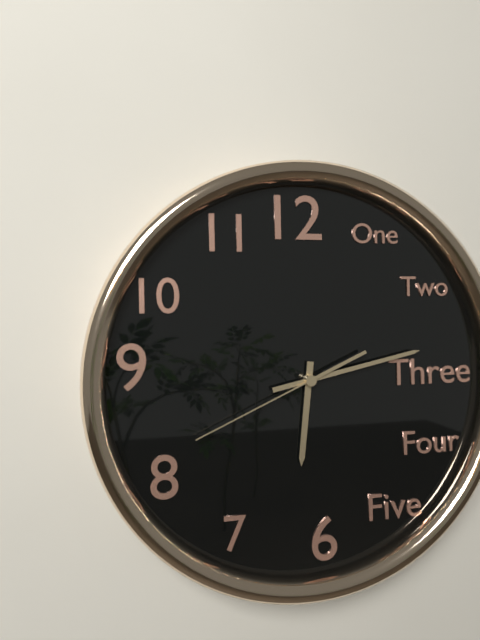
6:13:41
